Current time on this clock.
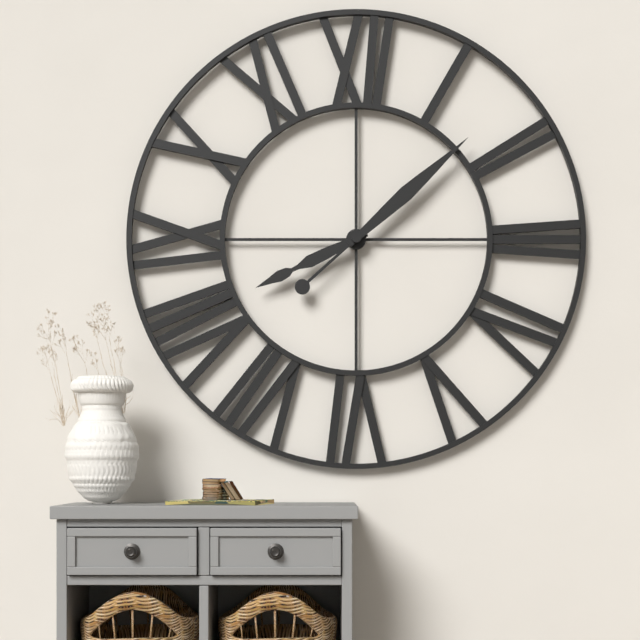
8:08
